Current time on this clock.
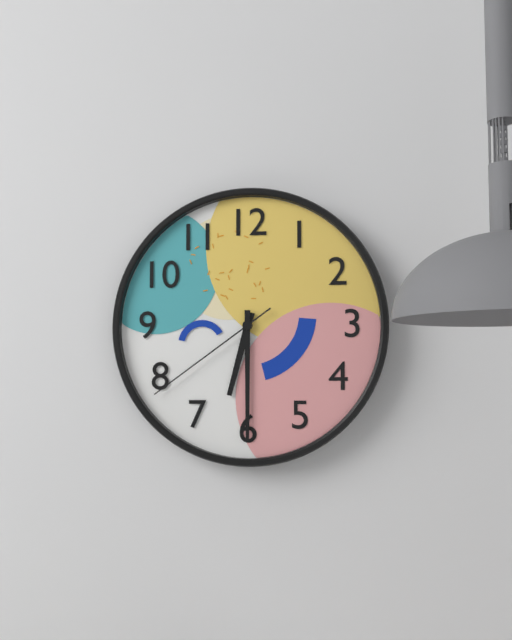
6:30:39
